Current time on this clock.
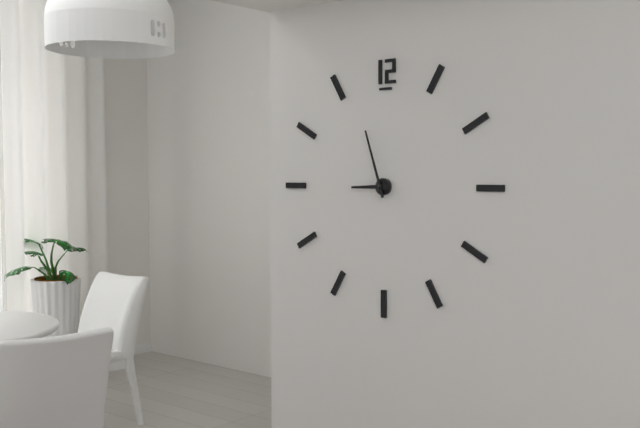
8:57
